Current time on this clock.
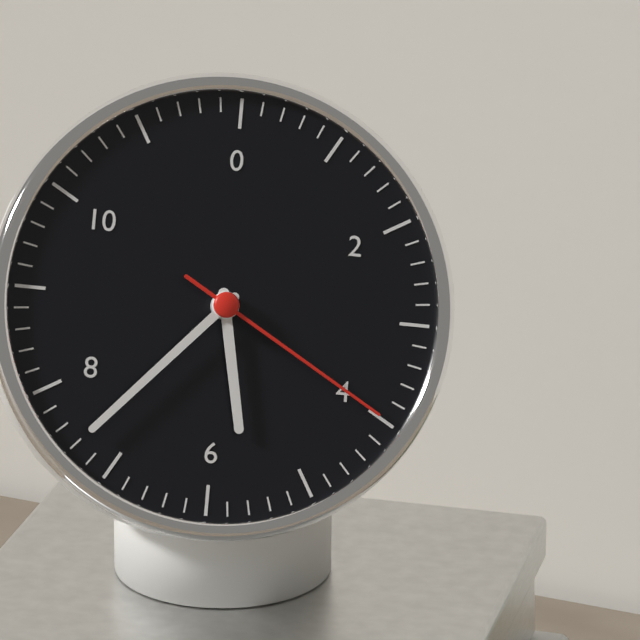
5:37:20
